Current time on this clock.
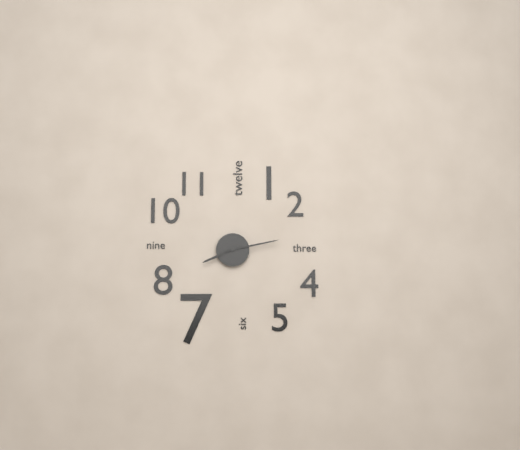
8:13
